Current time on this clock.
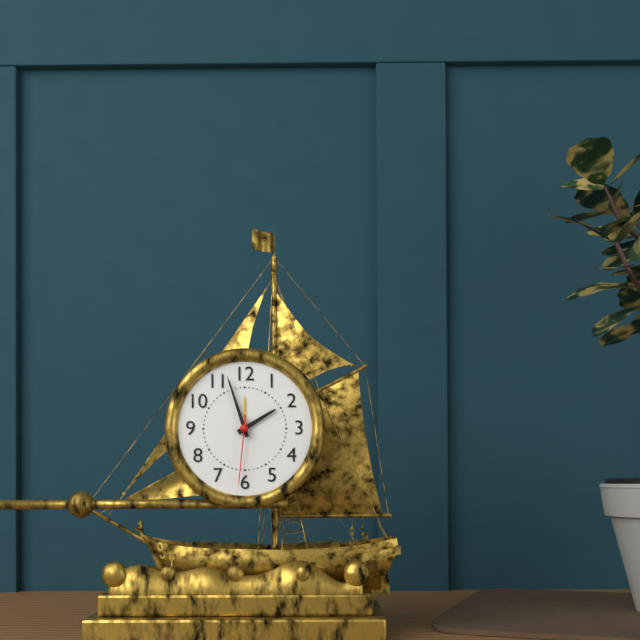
1:57:31
